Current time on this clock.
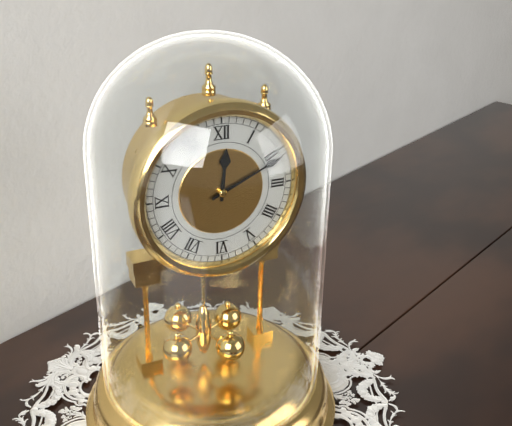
12:11
